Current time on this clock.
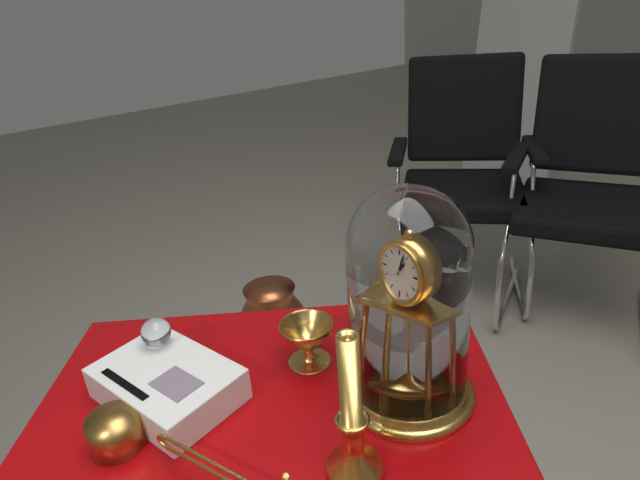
1:03
